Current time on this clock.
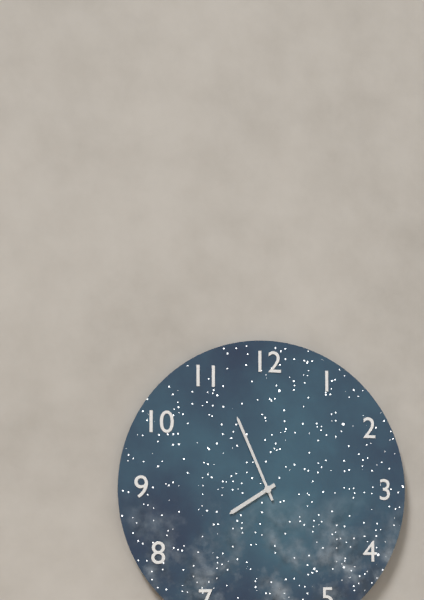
7:56
